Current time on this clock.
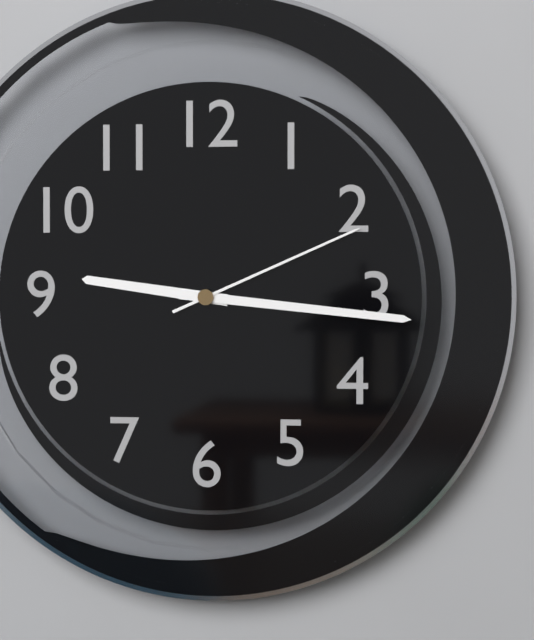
9:16:11
